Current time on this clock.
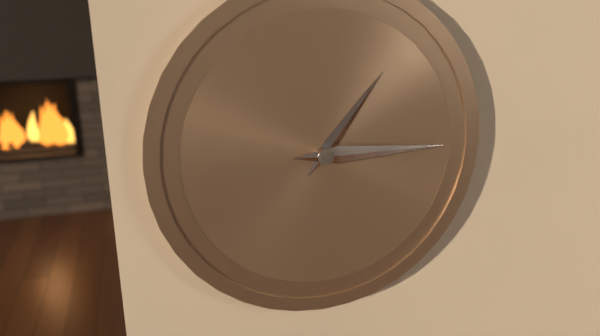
1:15
